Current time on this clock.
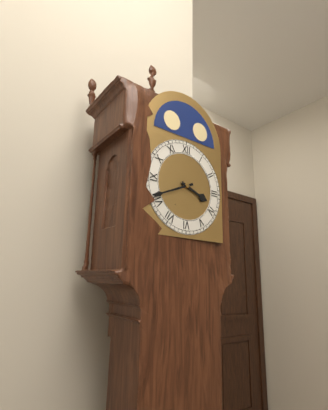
3:41
